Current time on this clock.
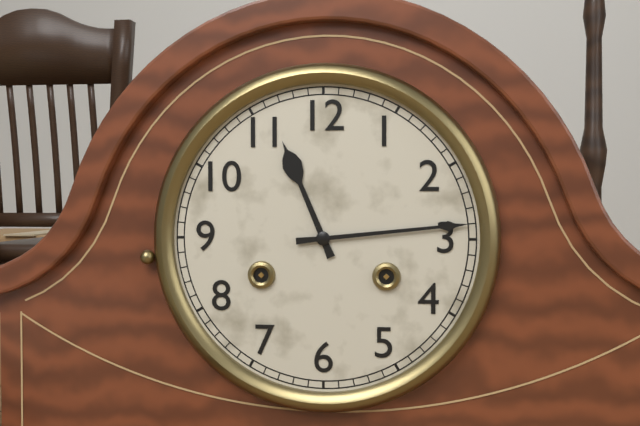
11:14
